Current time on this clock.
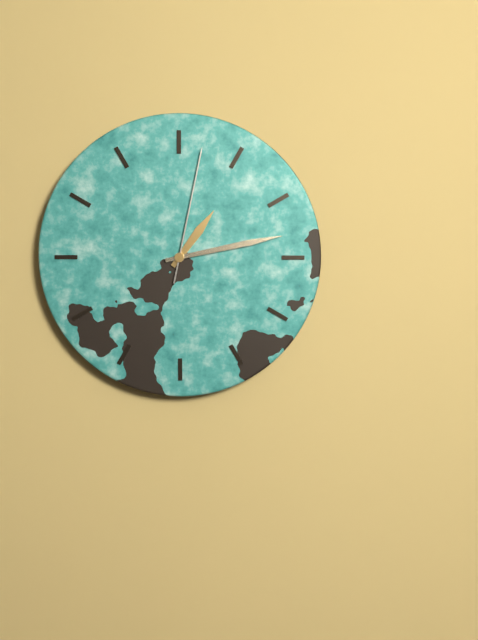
1:13:02
